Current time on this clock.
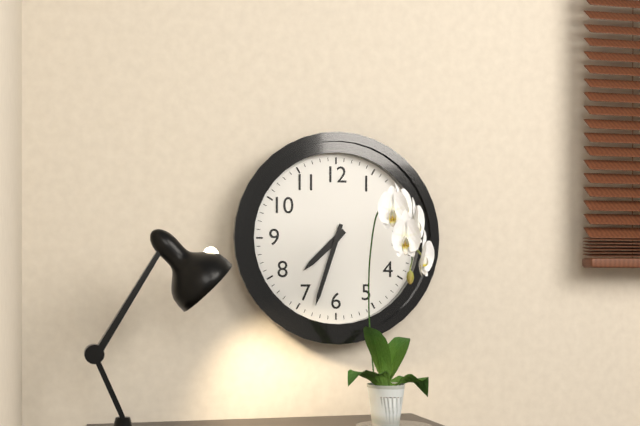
7:33
